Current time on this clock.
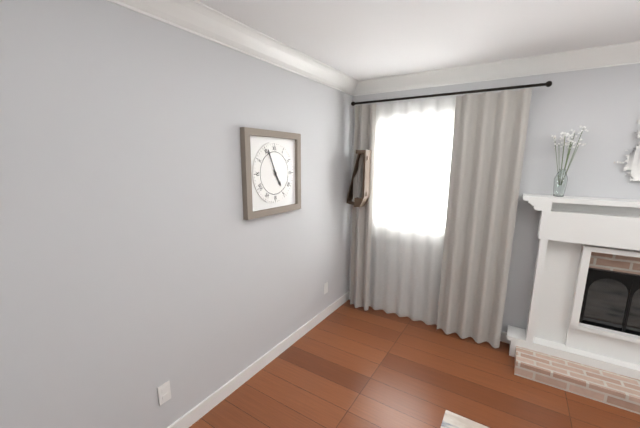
4:56
